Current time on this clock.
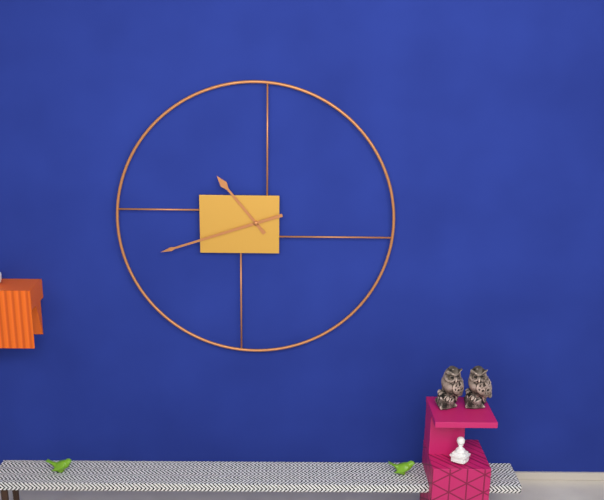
10:42
